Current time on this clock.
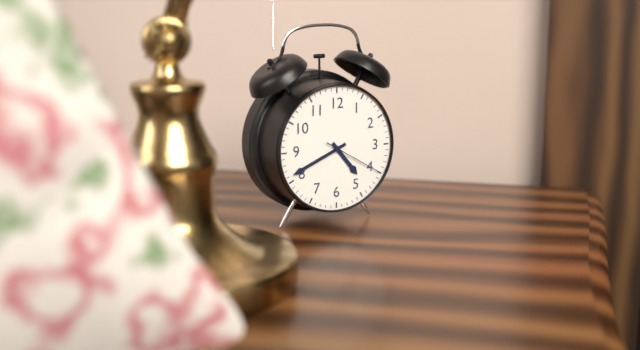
4:41:20
